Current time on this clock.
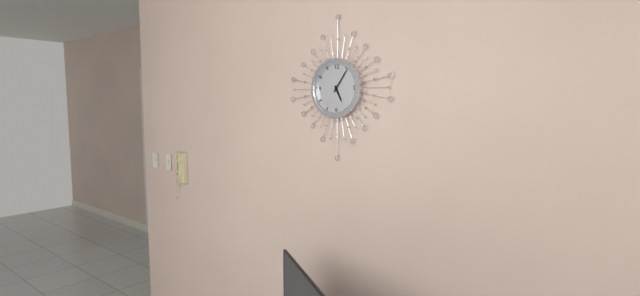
5:06
